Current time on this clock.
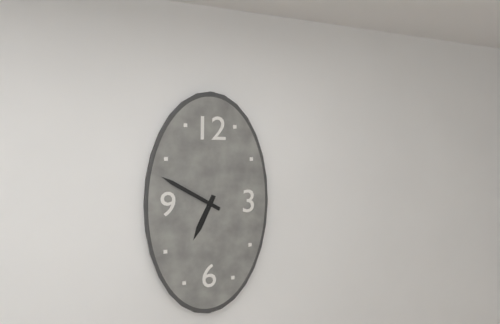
6:50
